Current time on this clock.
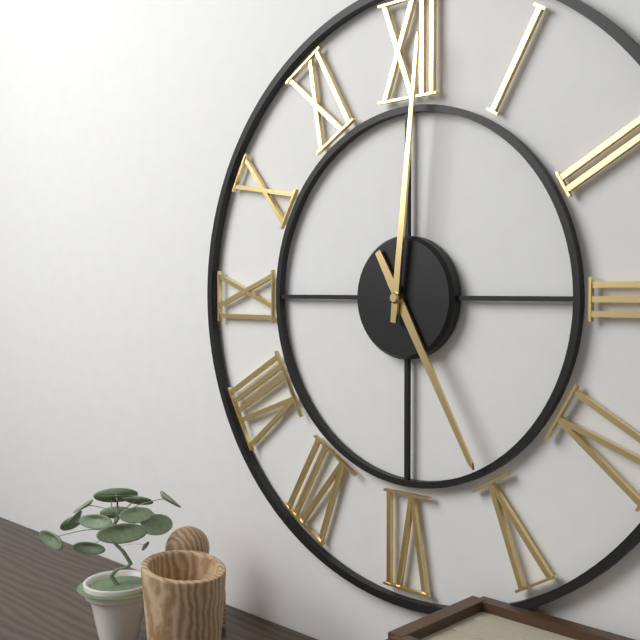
5:01
